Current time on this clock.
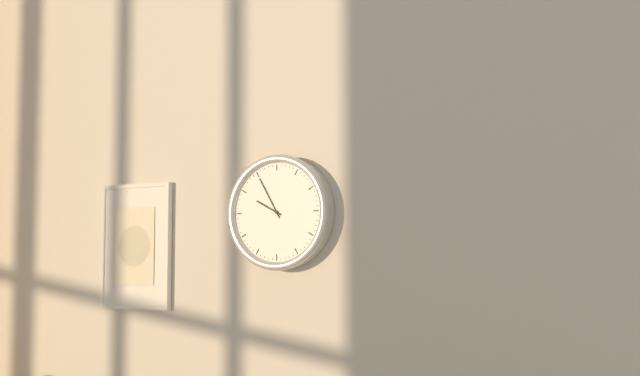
9:55
